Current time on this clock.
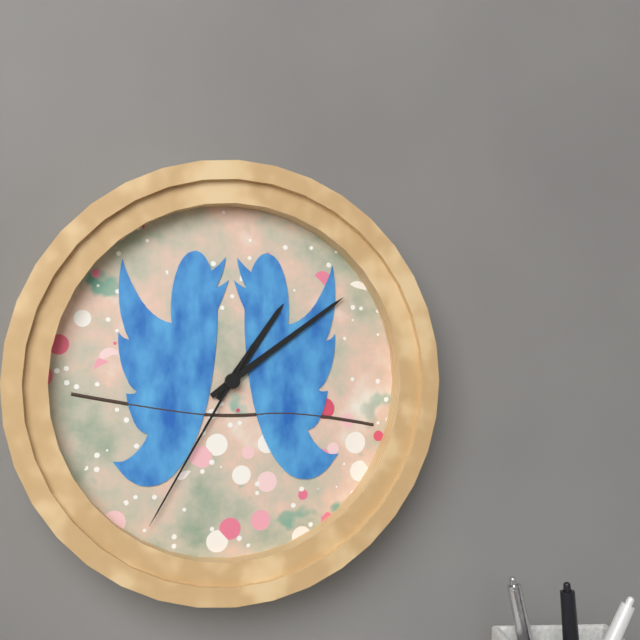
1:09:35
